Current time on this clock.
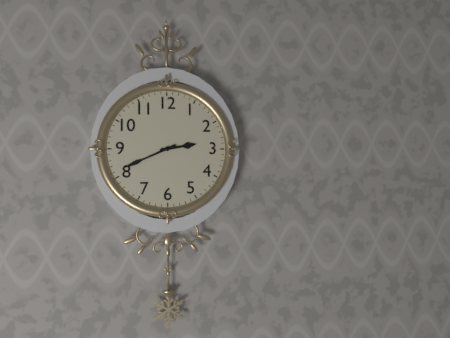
2:41
